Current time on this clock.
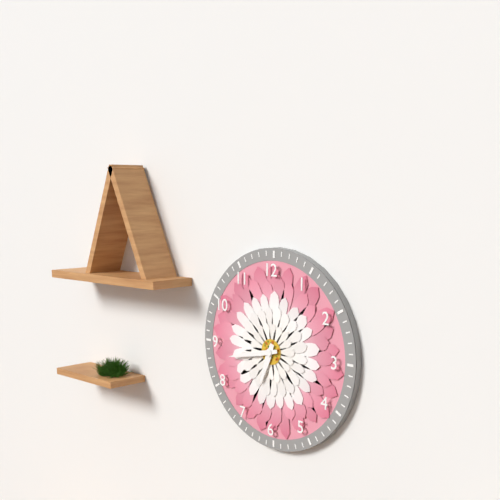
6:43
